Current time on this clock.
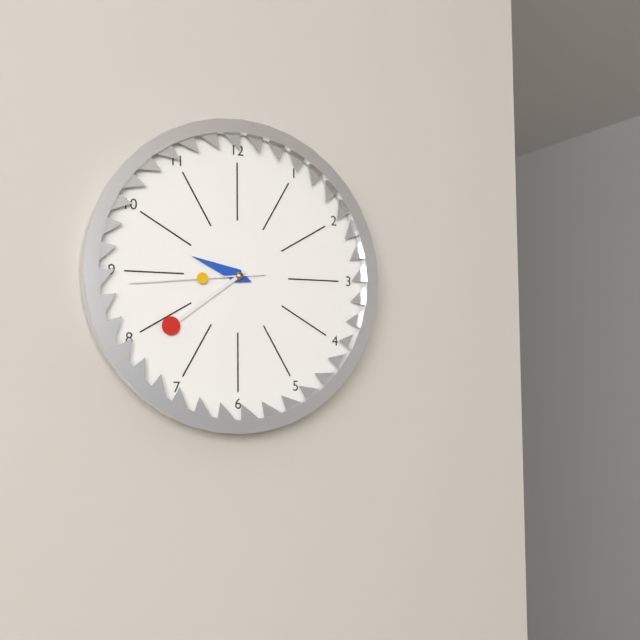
9:39:44
